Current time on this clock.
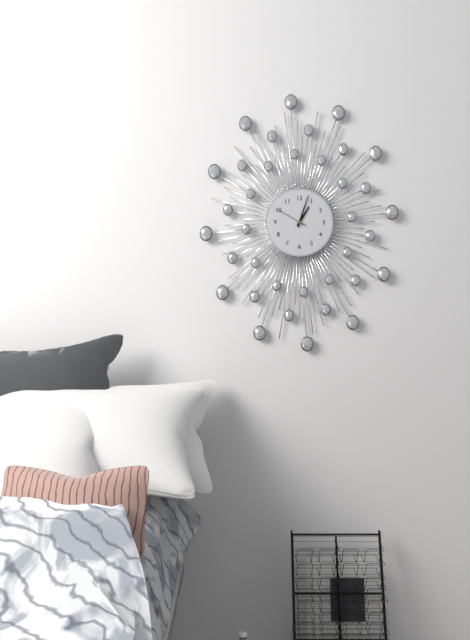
1:03
